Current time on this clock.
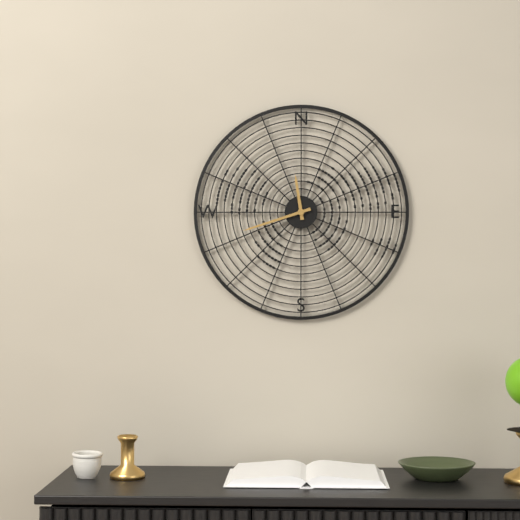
11:42
